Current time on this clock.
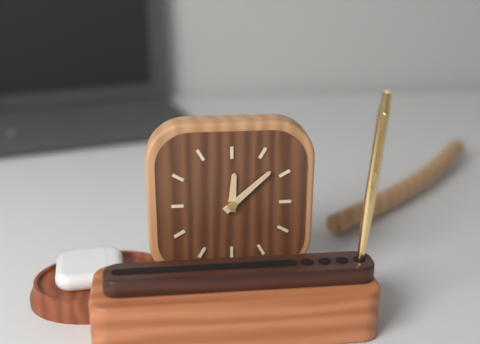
12:08
